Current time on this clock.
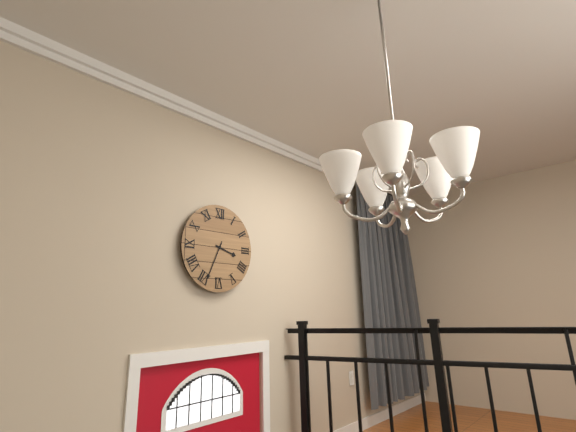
3:34
